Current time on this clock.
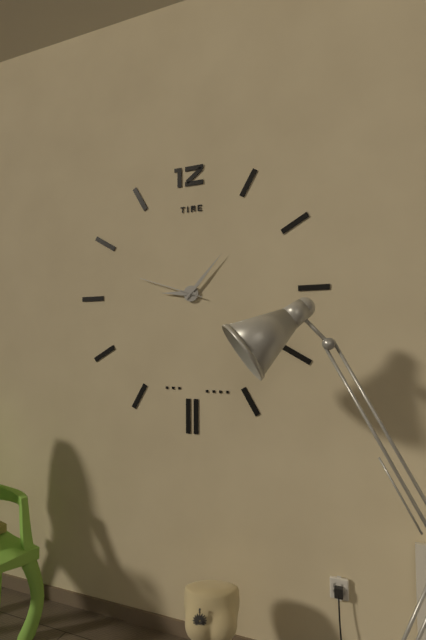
9:07:48
